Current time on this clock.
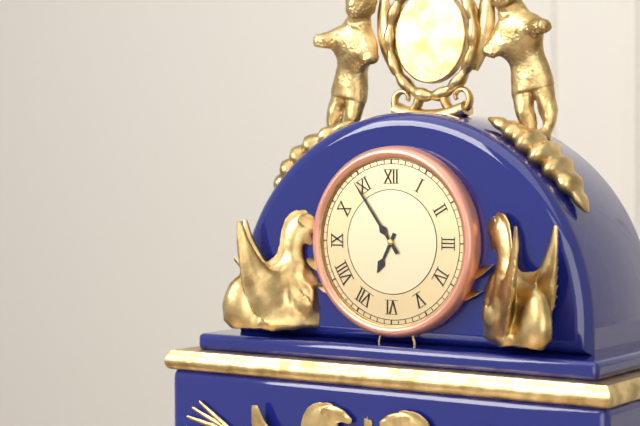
6:54
